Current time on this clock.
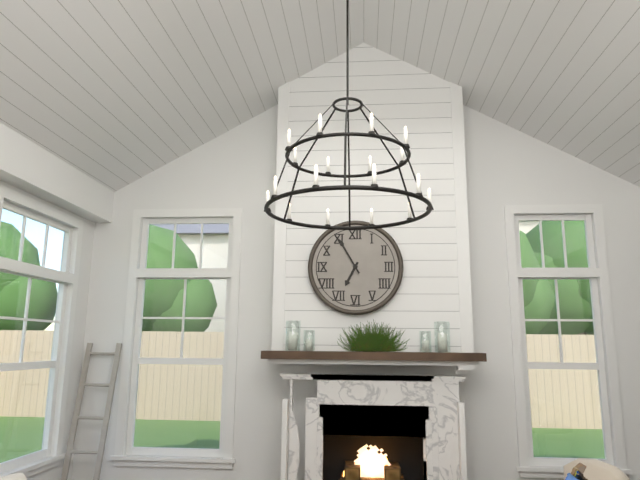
6:55
